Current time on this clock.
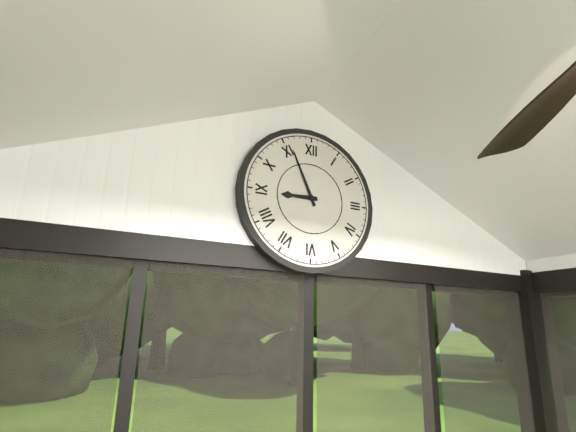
8:56
